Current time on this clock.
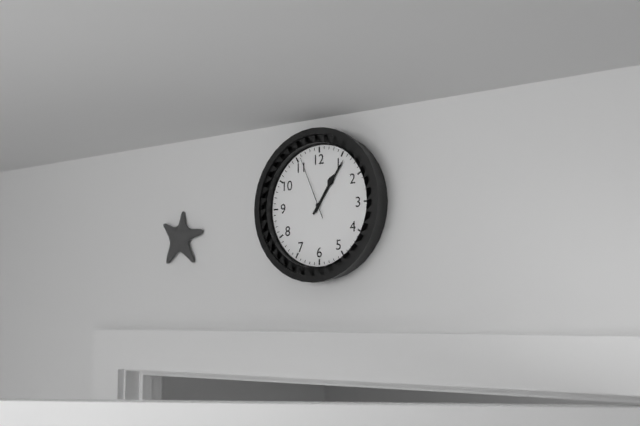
1:06:56
